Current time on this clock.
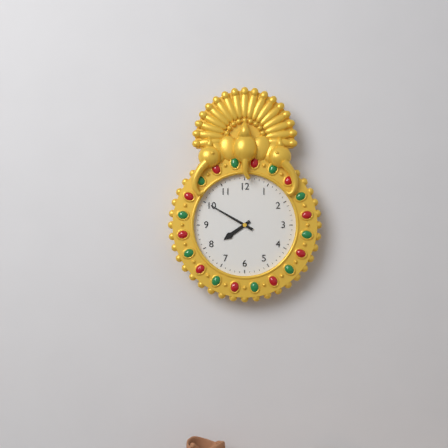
7:50
